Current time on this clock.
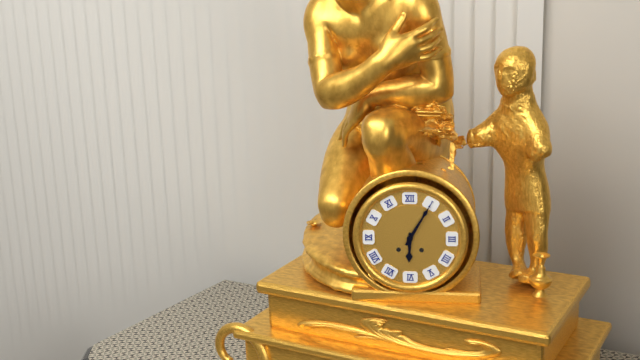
6:05
